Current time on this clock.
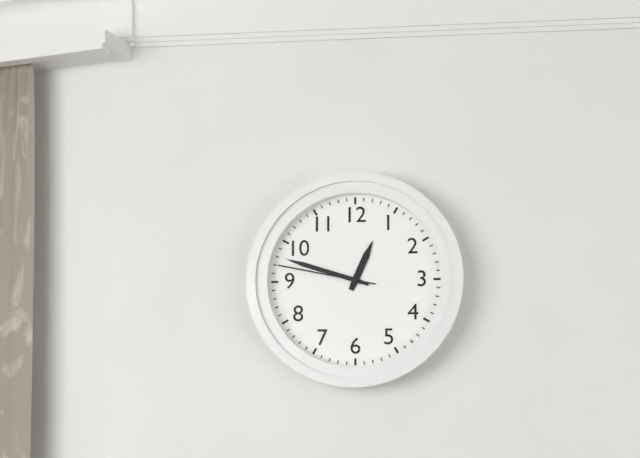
12:48:47
